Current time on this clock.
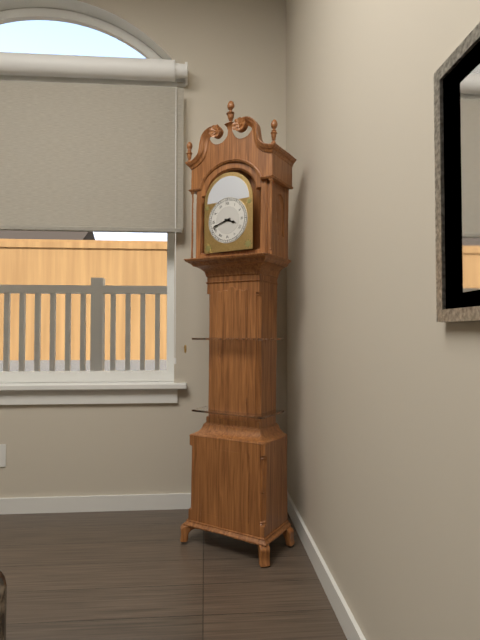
3:42
